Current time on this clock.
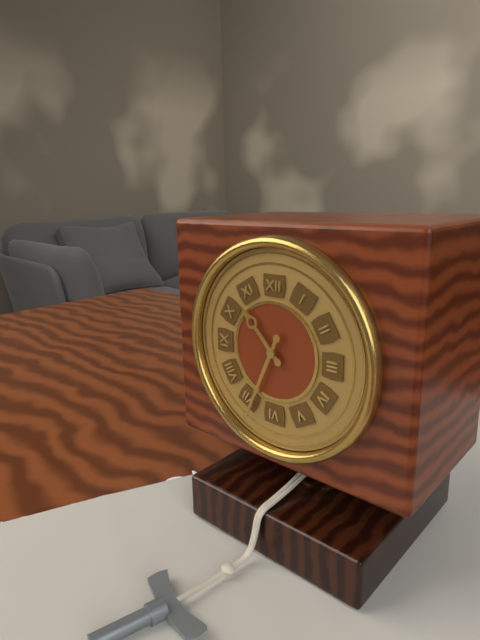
10:34
